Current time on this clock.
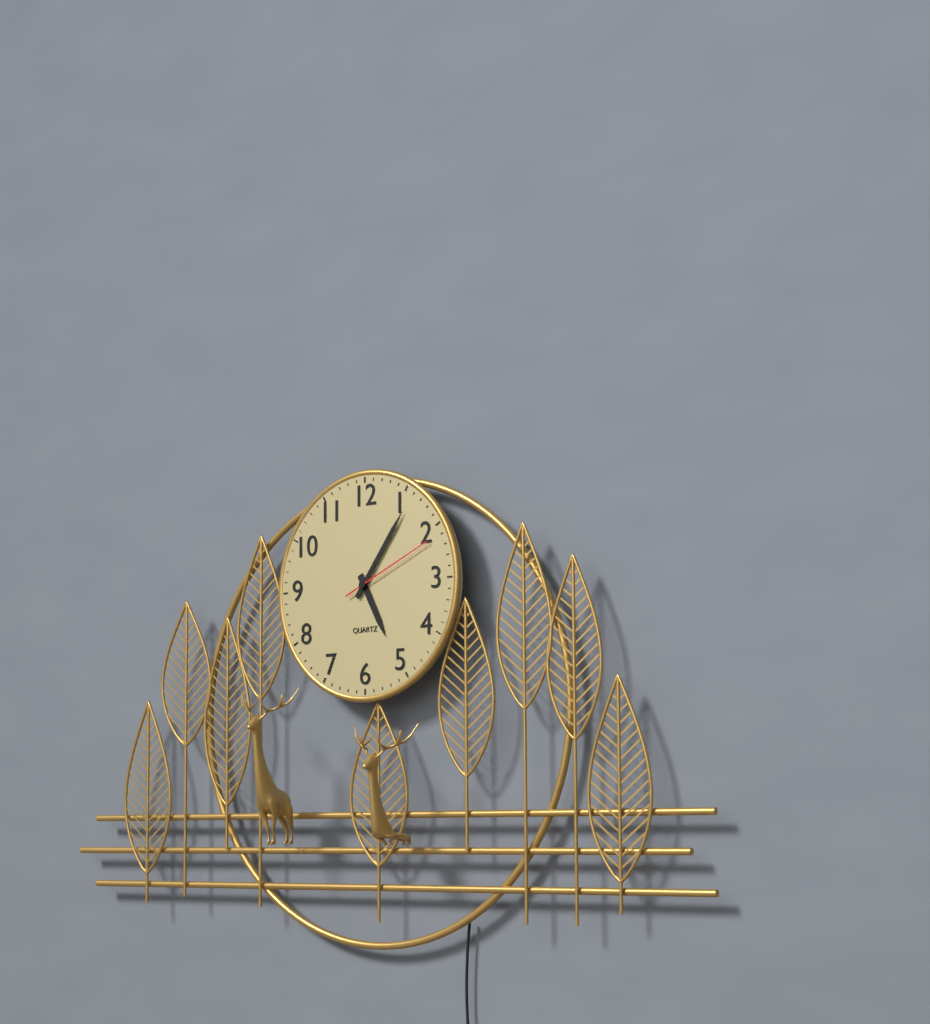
5:06:11
